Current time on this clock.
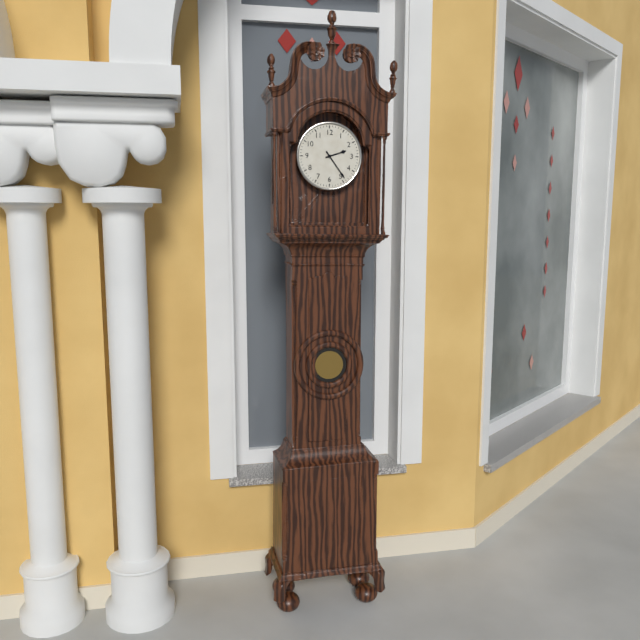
2:24
